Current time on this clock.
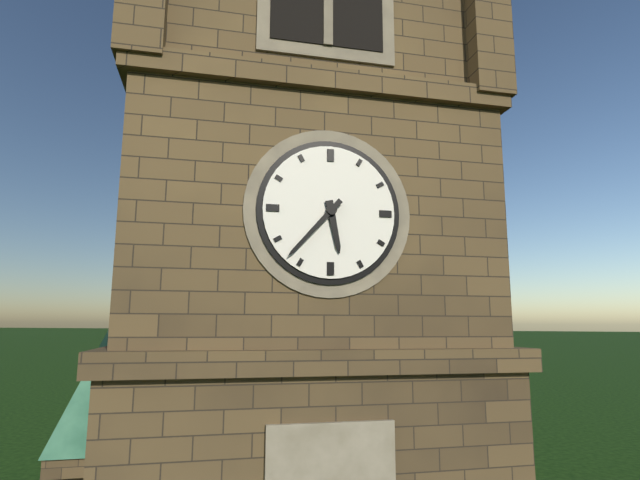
5:37
